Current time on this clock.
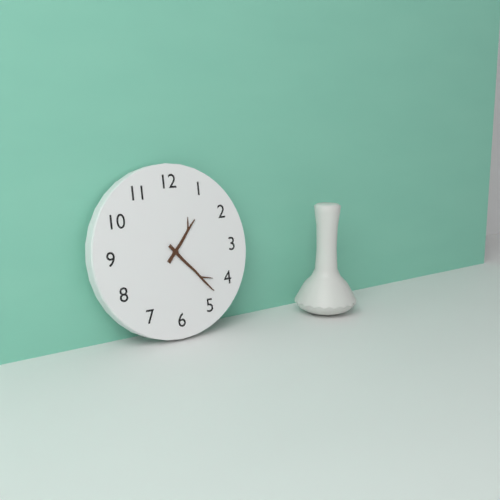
1:23
